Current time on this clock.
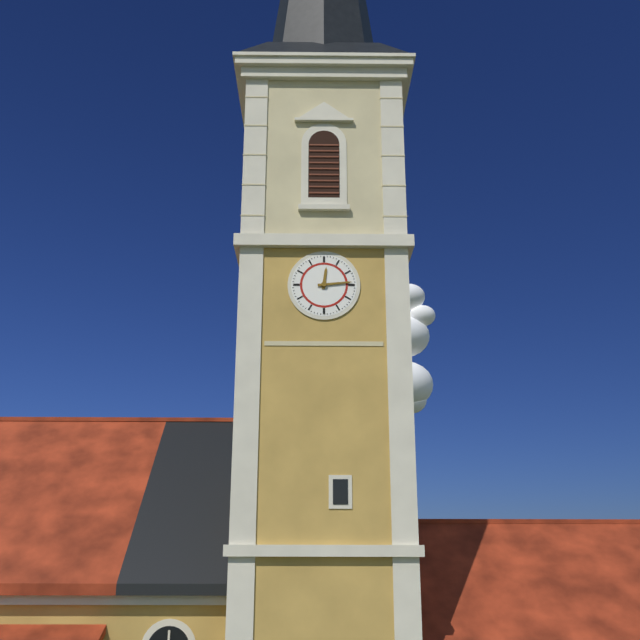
12:14
